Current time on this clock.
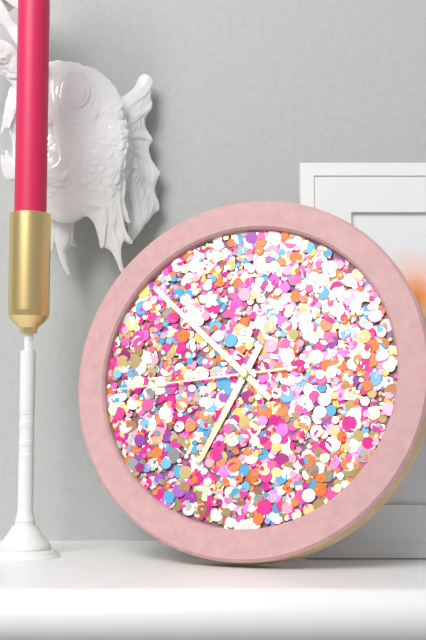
6:52:44
